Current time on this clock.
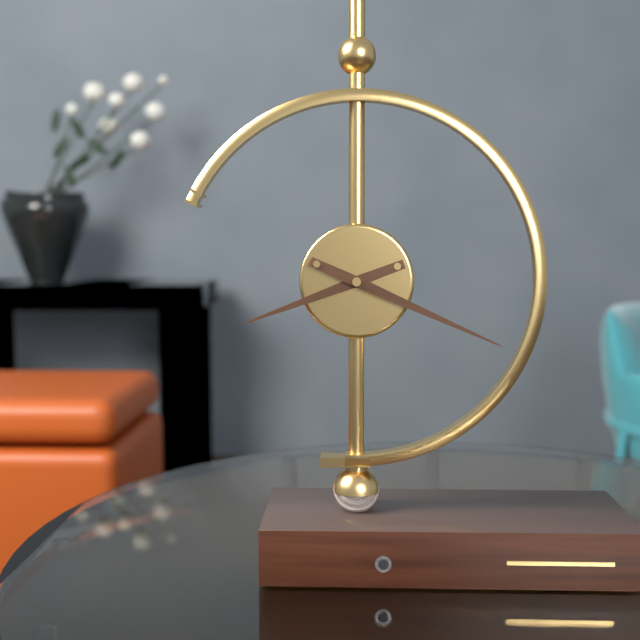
8:19
